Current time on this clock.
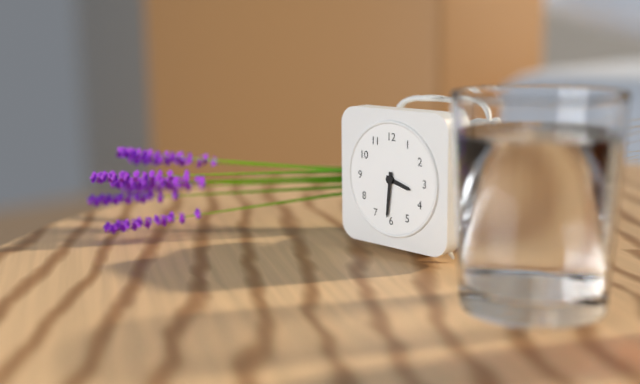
3:31
